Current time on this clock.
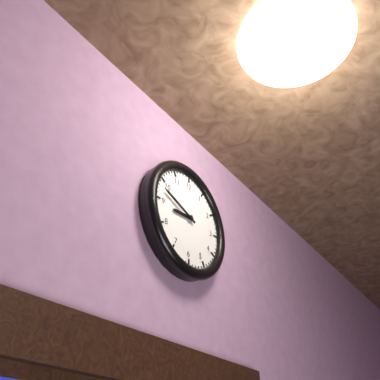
8:48
